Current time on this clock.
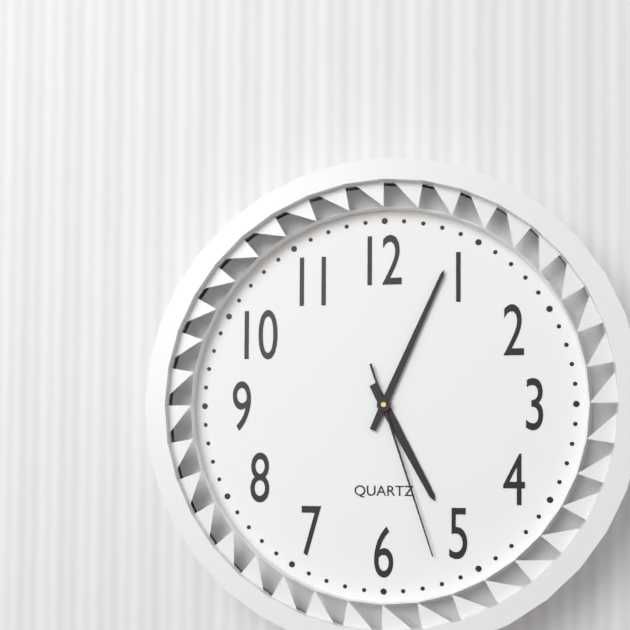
5:04:27
